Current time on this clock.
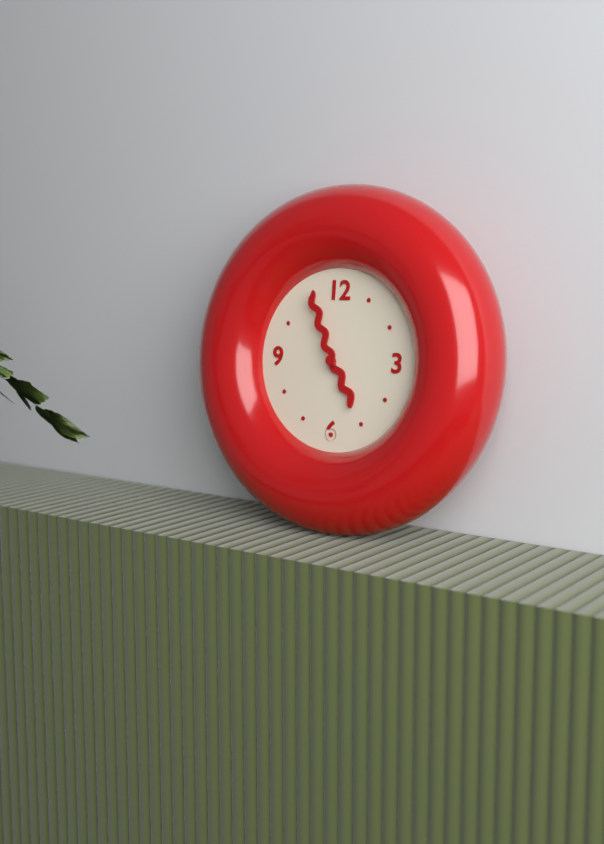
4:56
